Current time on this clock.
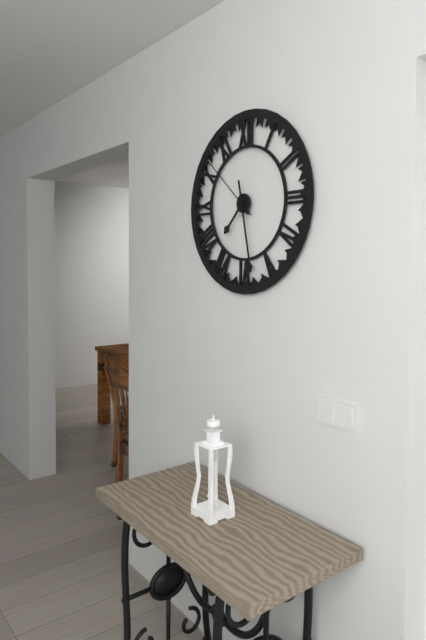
7:28:52
